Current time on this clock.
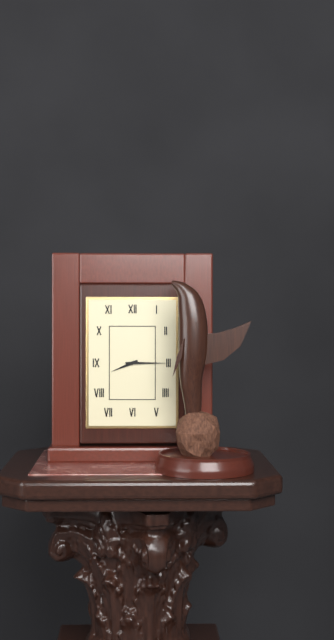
8:15
